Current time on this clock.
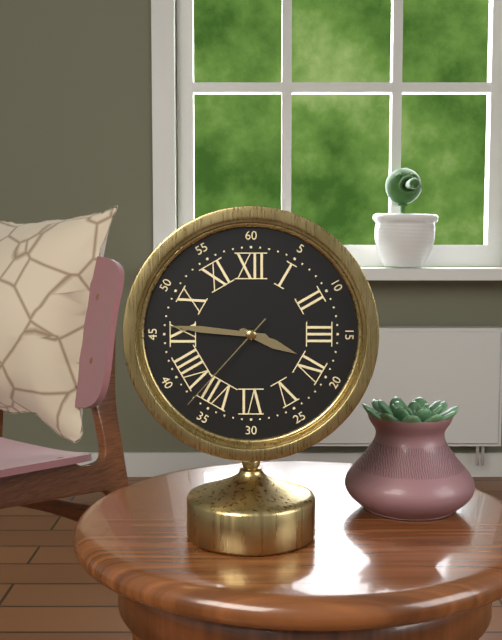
3:46:37
